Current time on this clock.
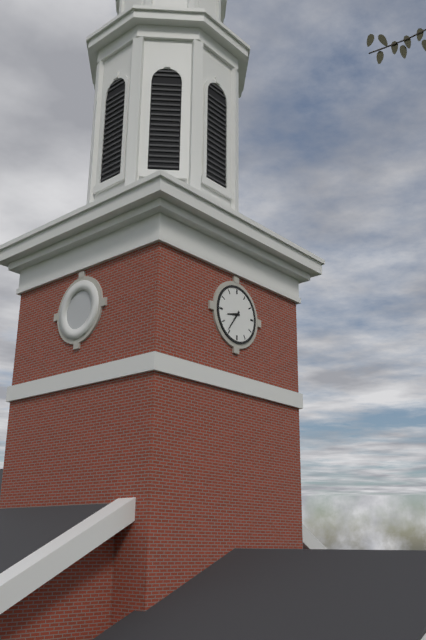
8:36
